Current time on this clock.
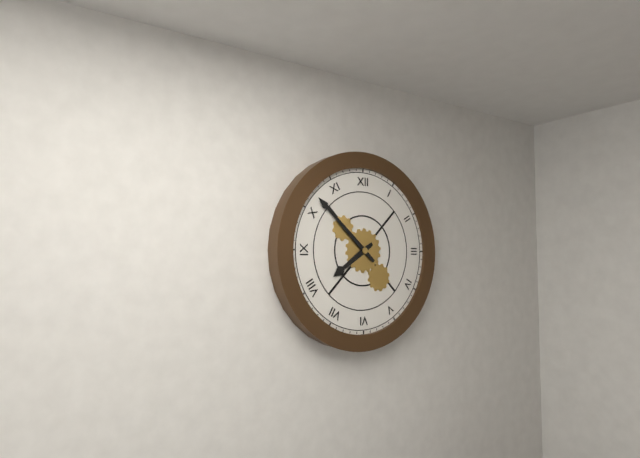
7:52
